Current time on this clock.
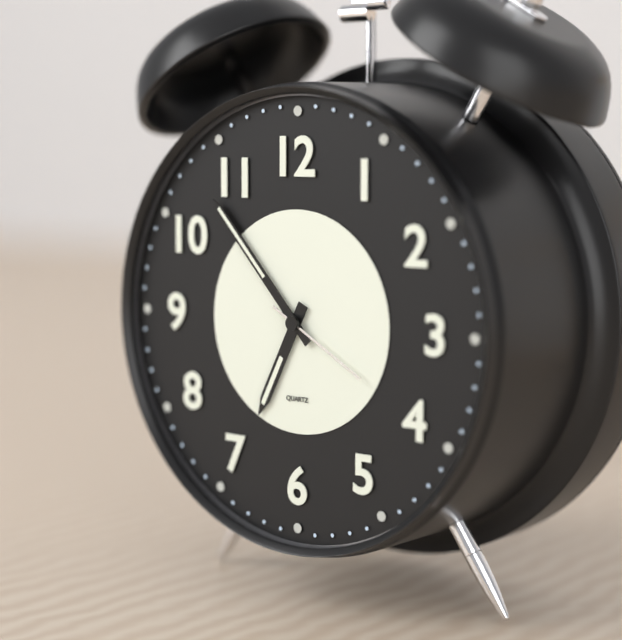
6:53:20
